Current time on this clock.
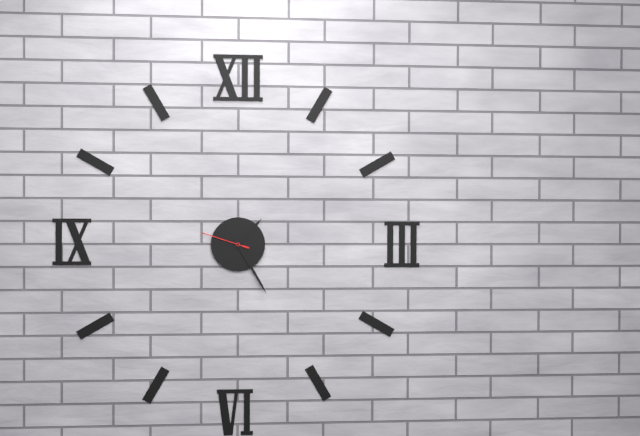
1:25
